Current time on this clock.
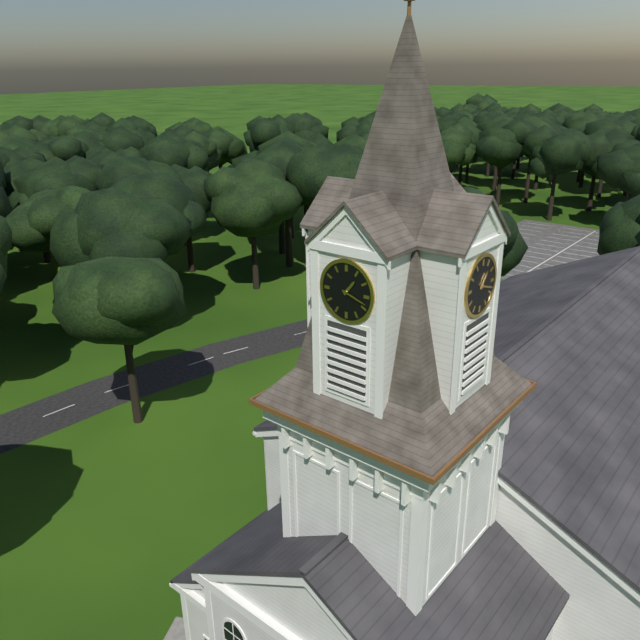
1:18
